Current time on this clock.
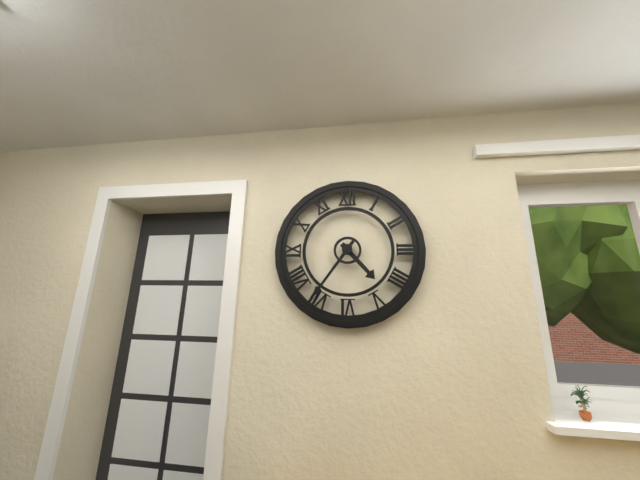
4:36
